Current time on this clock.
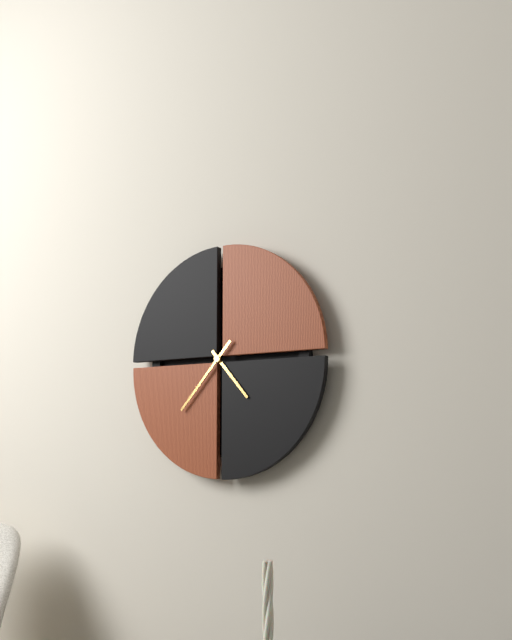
4:37
